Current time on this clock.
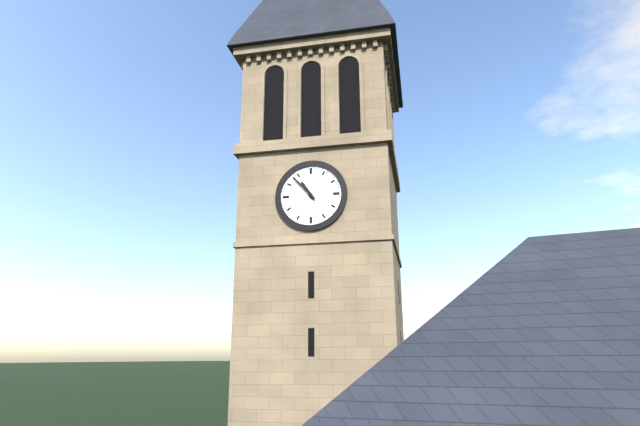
10:53
